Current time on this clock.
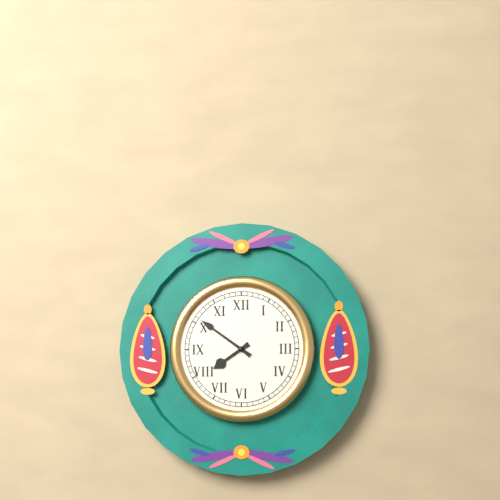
7:51
